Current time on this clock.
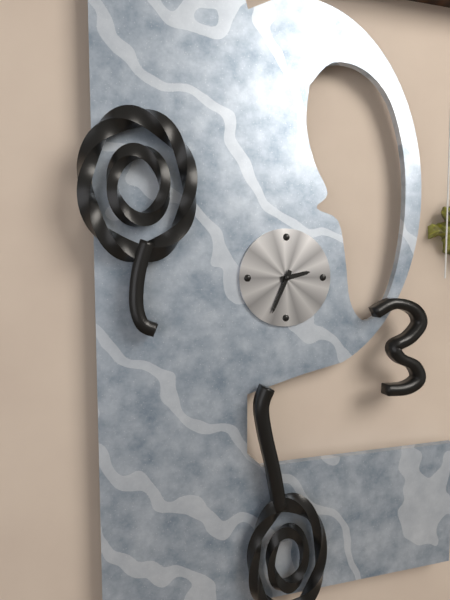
2:34
